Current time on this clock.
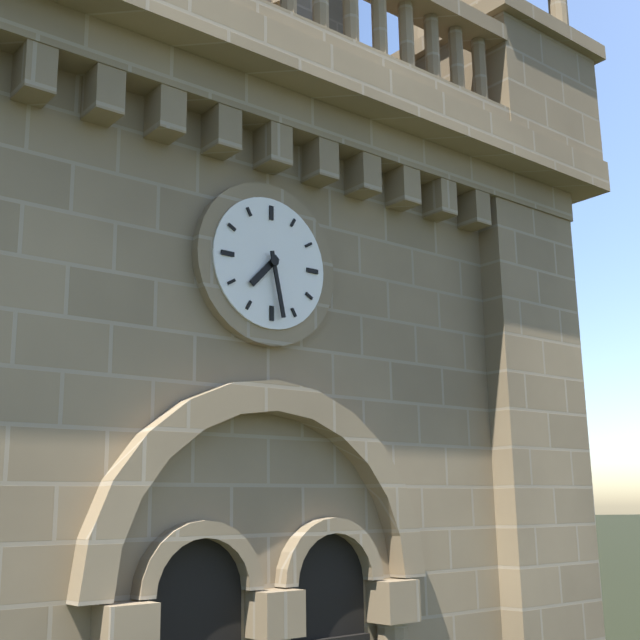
7:28
